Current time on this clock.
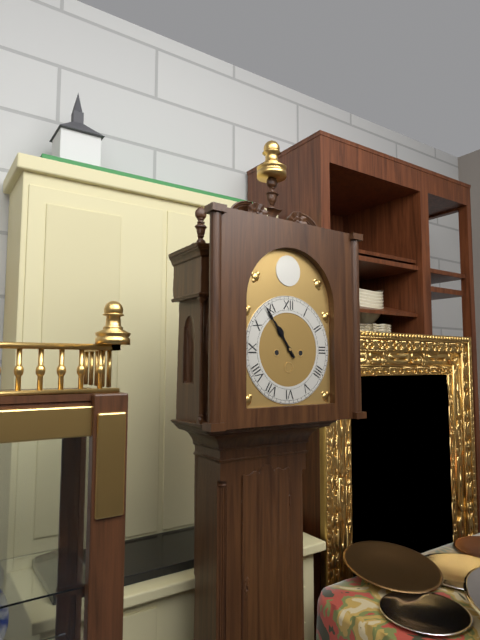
10:54
